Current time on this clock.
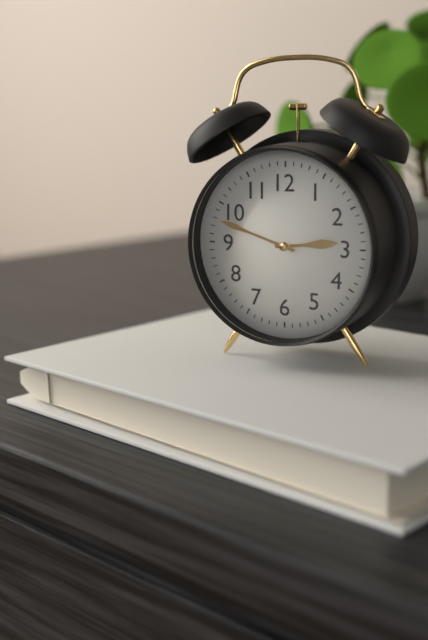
2:48
